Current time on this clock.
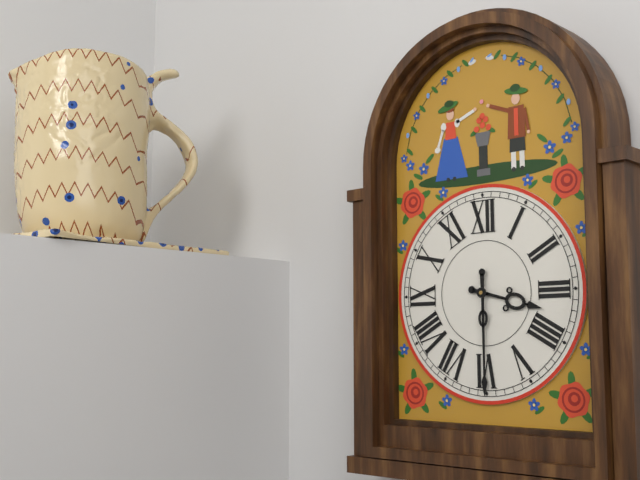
3:30
